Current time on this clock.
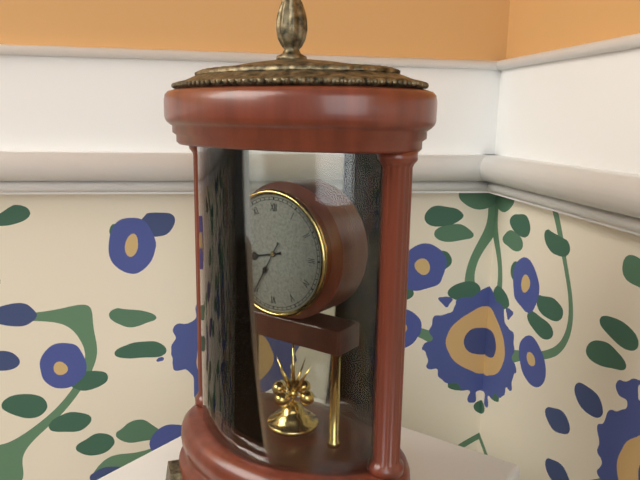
8:35
